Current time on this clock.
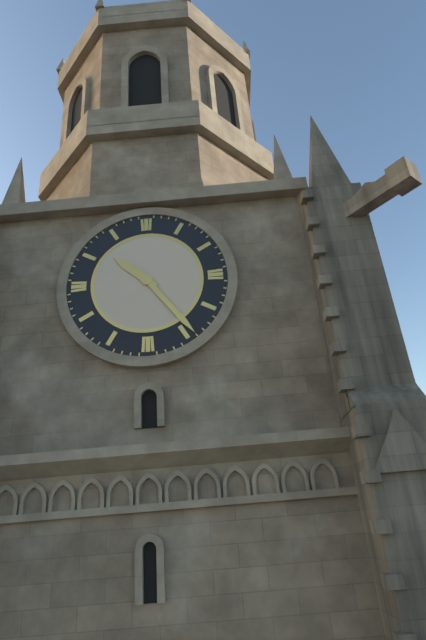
10:24
